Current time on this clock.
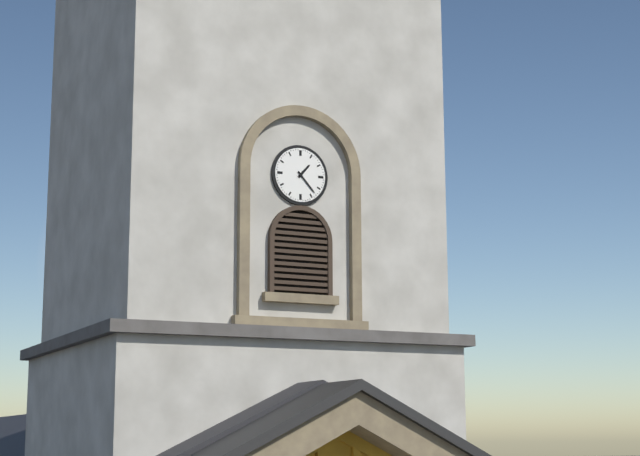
1:23
